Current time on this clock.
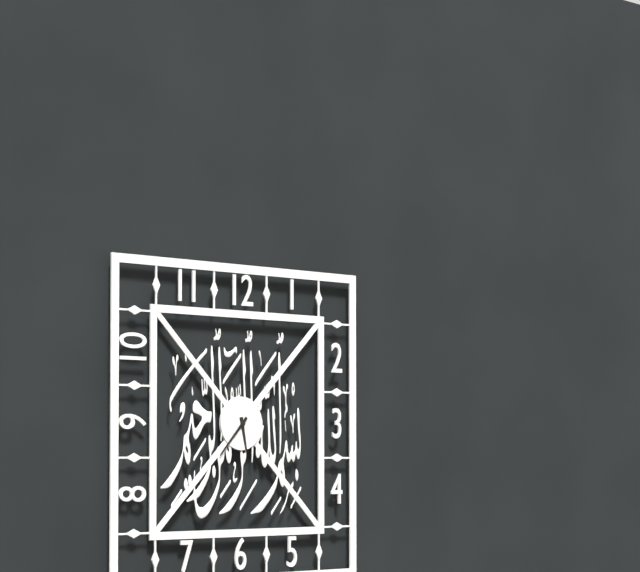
5:37
